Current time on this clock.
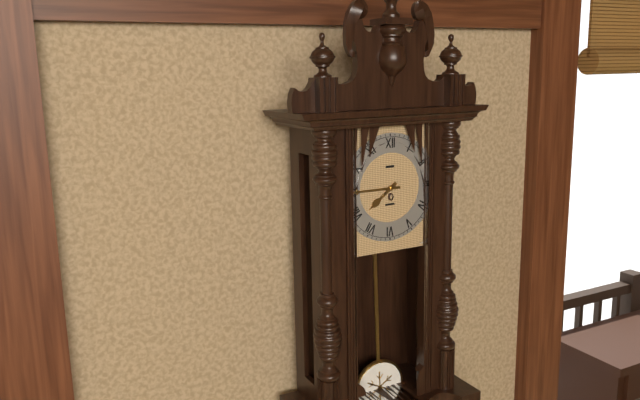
7:45
